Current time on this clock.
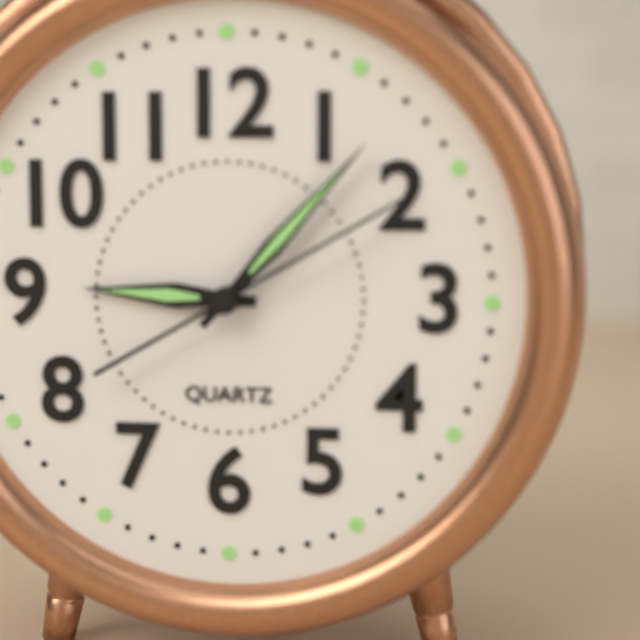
9:07:10
